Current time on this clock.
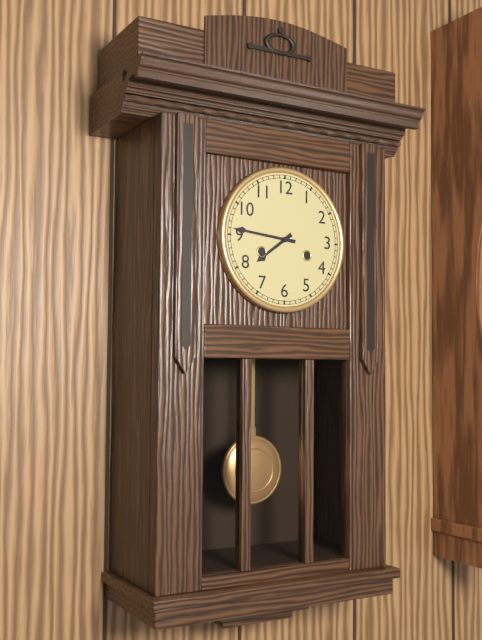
7:46
